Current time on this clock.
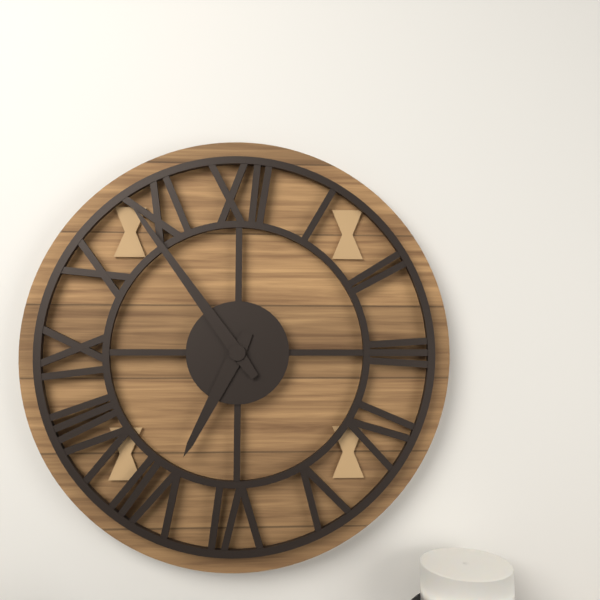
6:54
